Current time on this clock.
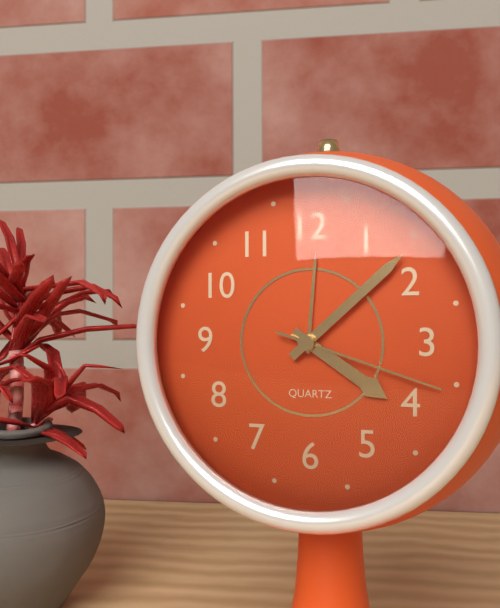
4:08:18
